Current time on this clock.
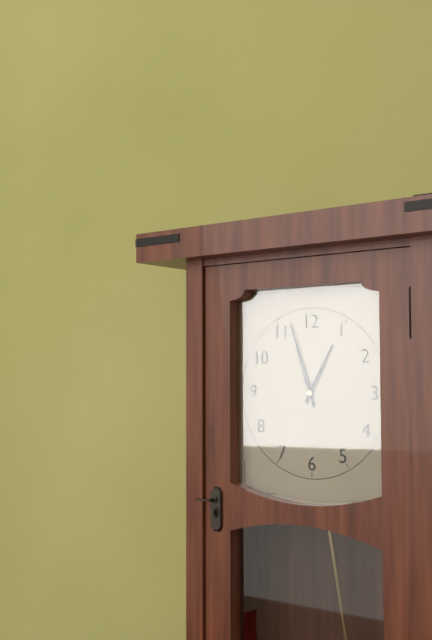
12:57
